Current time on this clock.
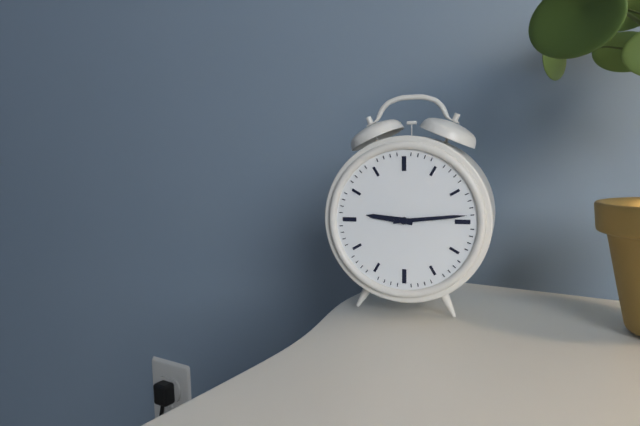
9:14
